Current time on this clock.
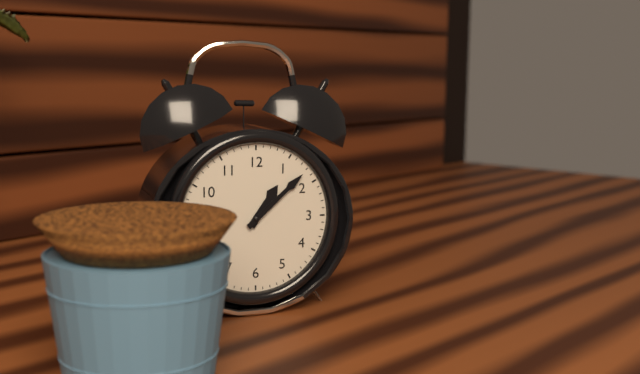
1:08
